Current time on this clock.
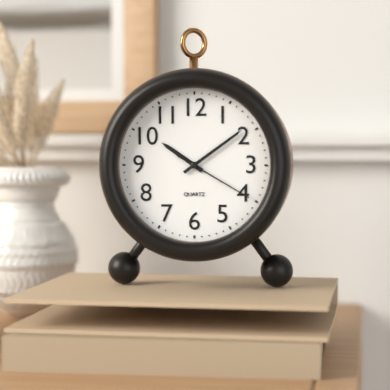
10:09:20
